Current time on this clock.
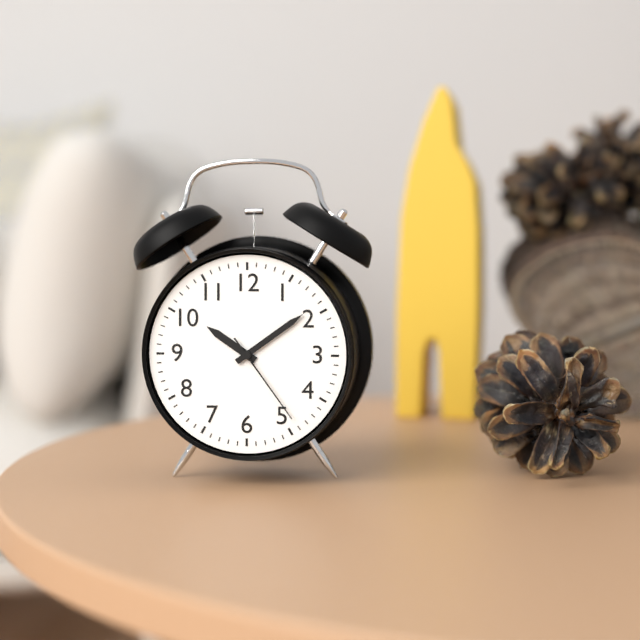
10:09:24
